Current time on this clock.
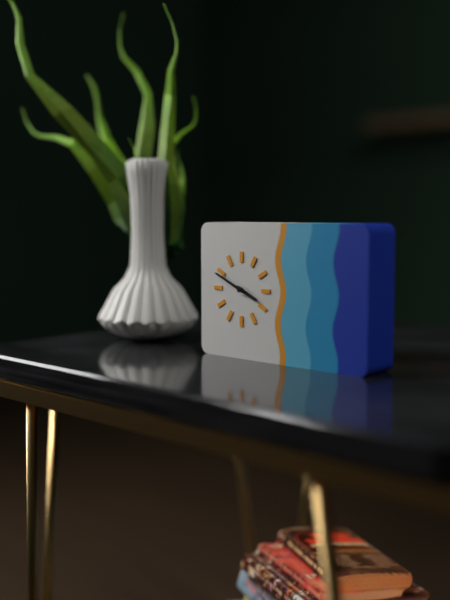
3:49
